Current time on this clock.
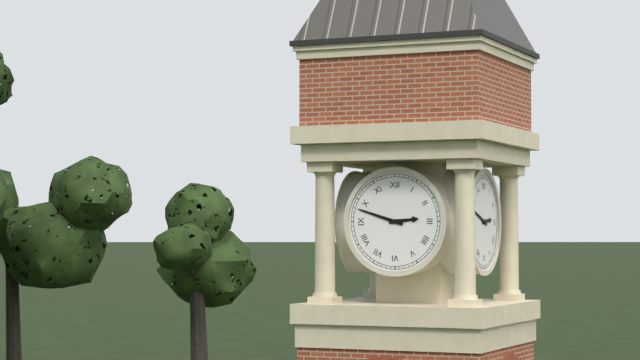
2:48
